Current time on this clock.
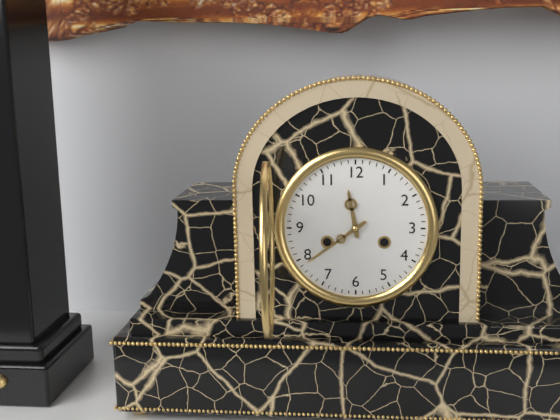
11:39
